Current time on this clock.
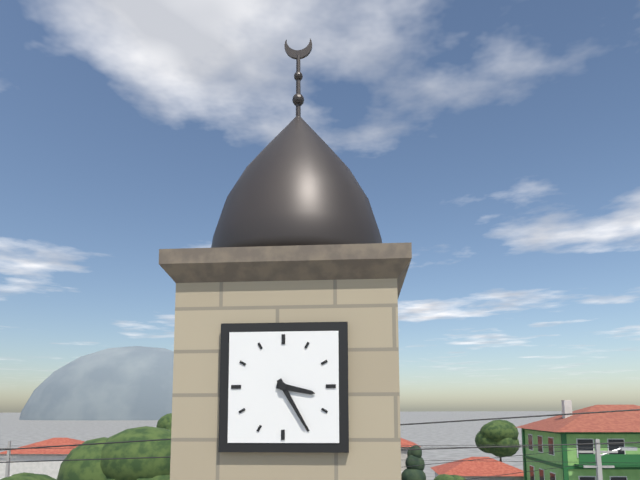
3:25
